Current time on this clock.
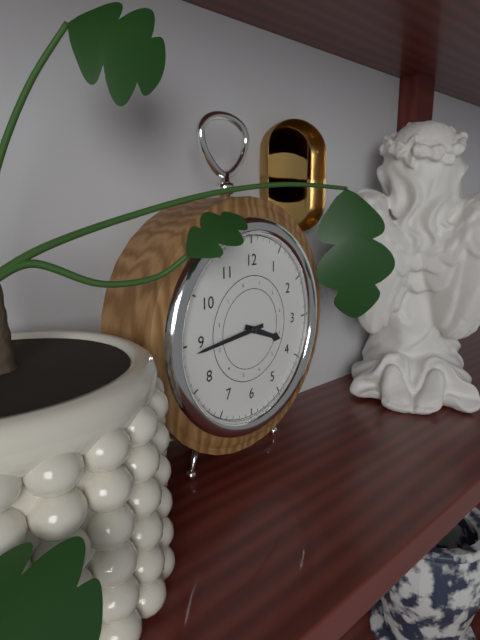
3:44
